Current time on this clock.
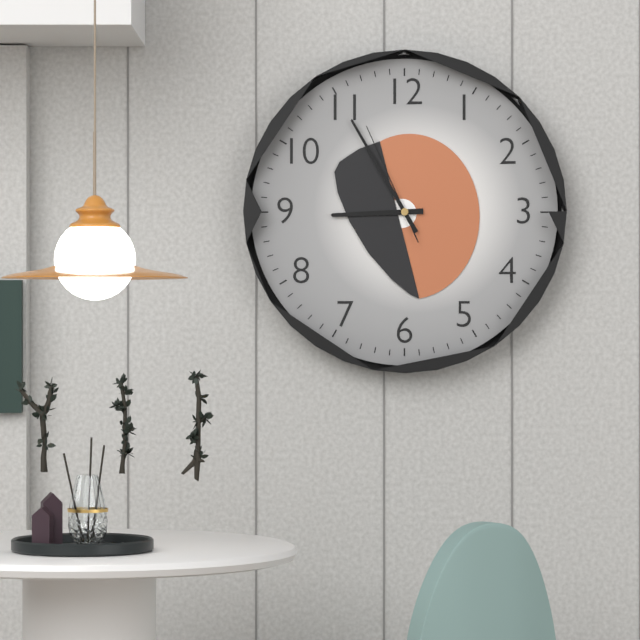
8:55:56
